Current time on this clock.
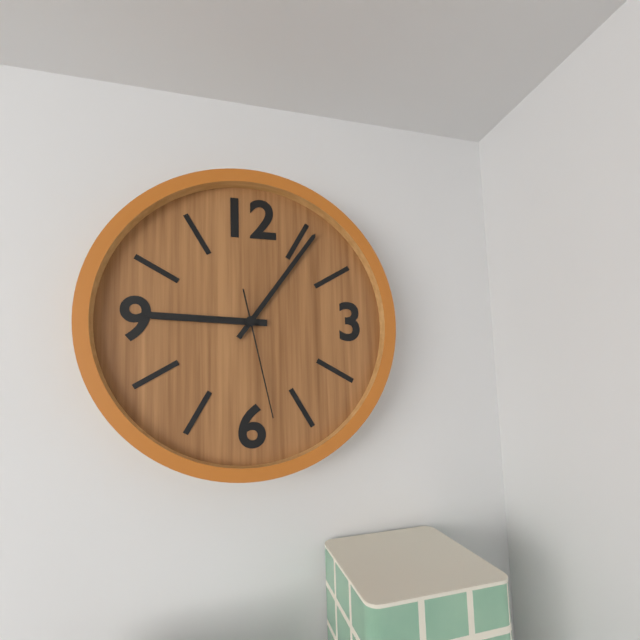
9:06:28
